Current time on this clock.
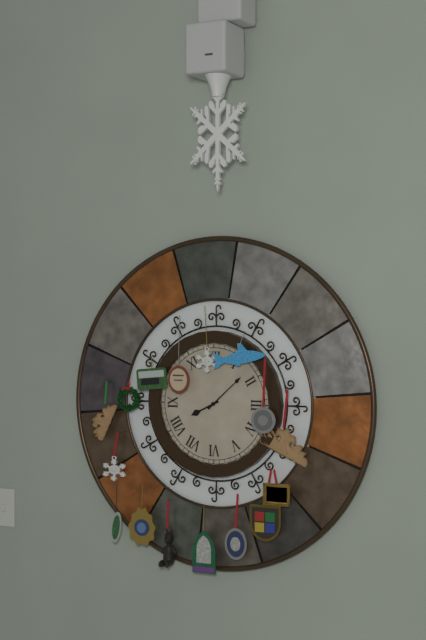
8:08
